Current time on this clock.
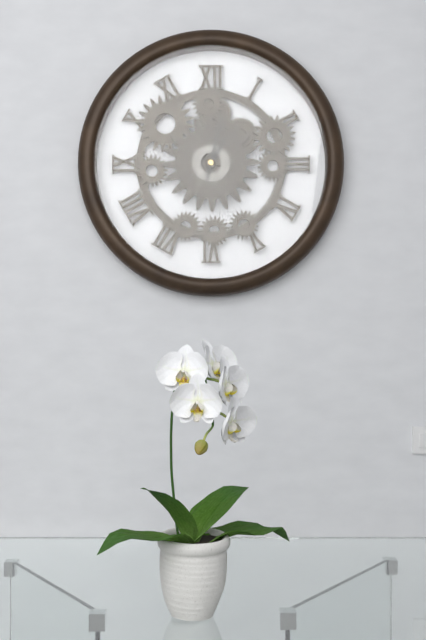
1:02
